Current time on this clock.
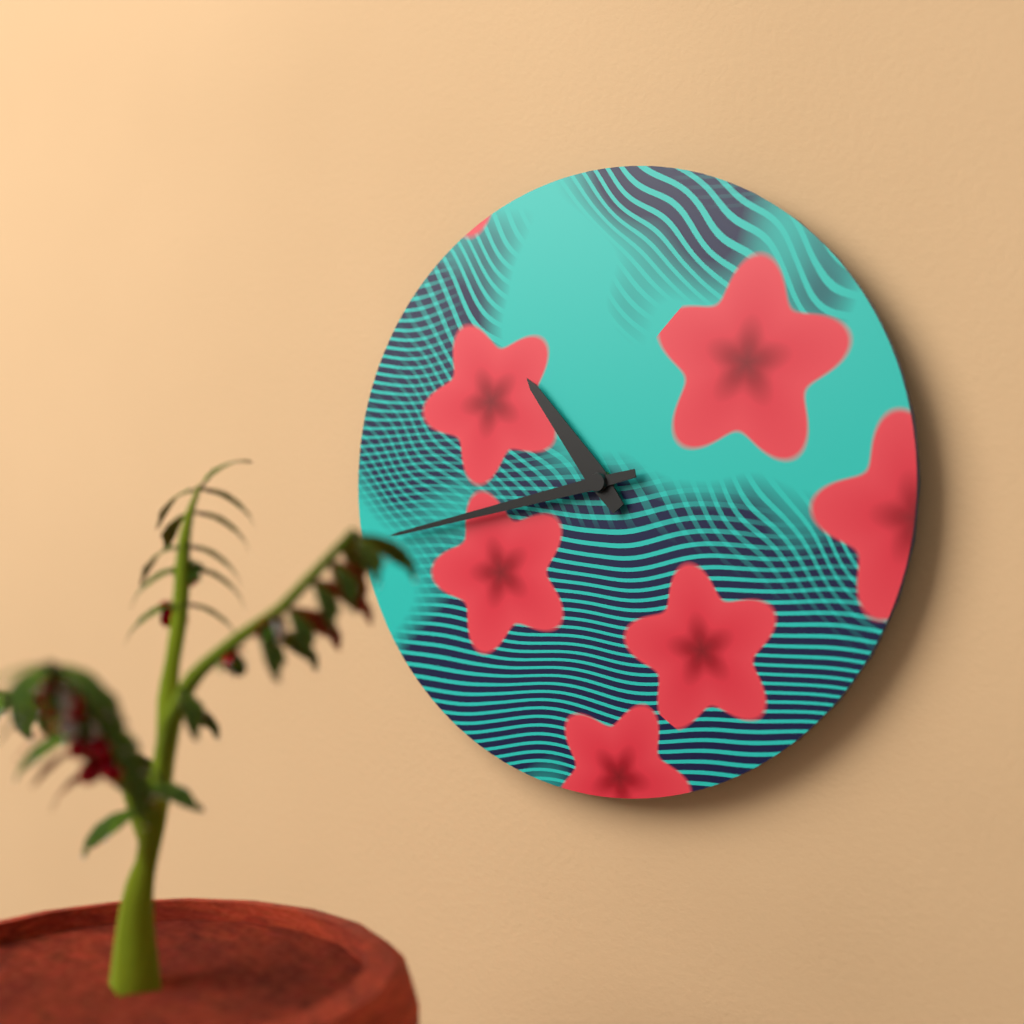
10:43
